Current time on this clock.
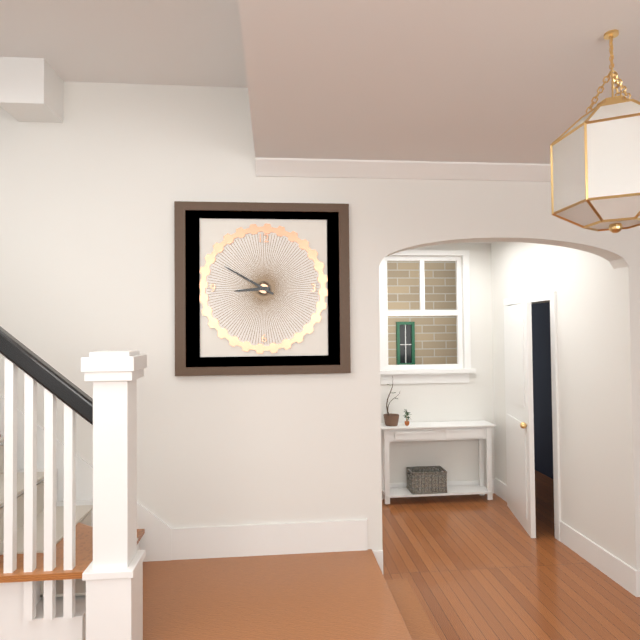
8:50
